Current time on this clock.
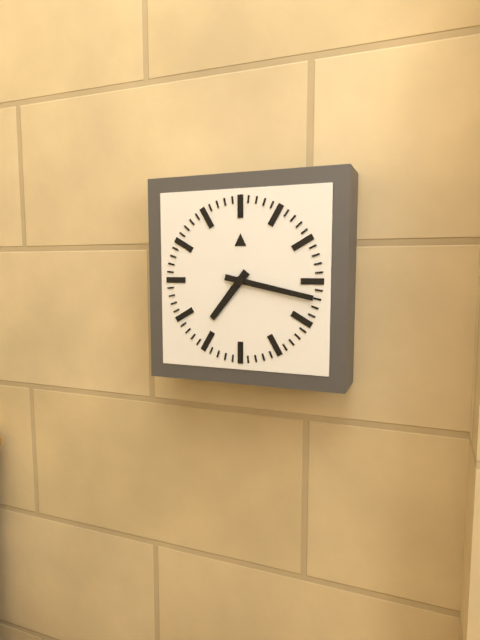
7:17
